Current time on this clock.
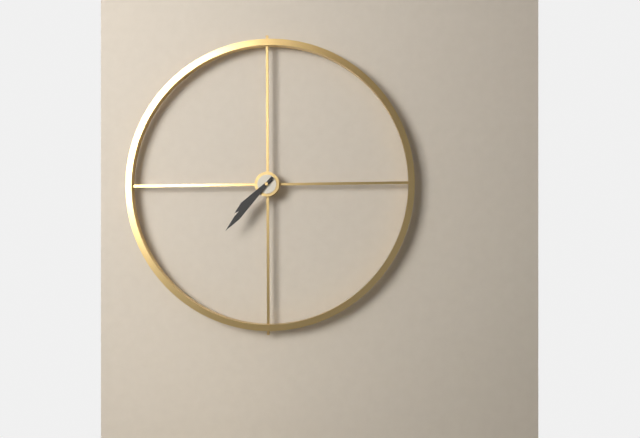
7:37
